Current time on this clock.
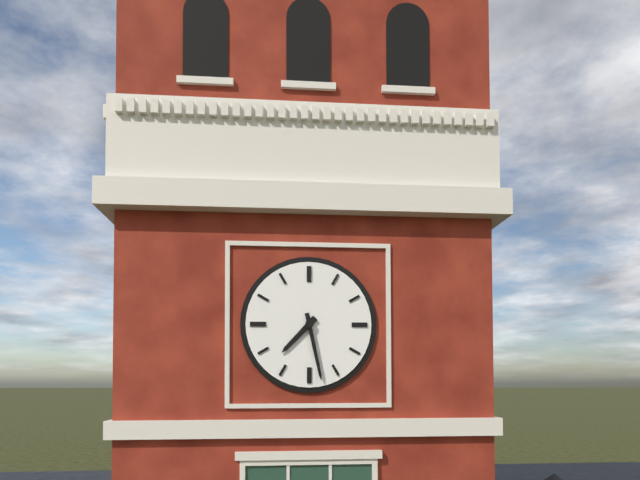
7:28
